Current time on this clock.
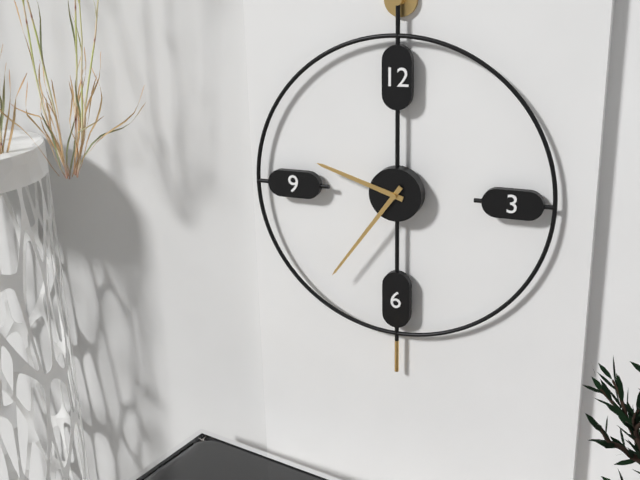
9:36
